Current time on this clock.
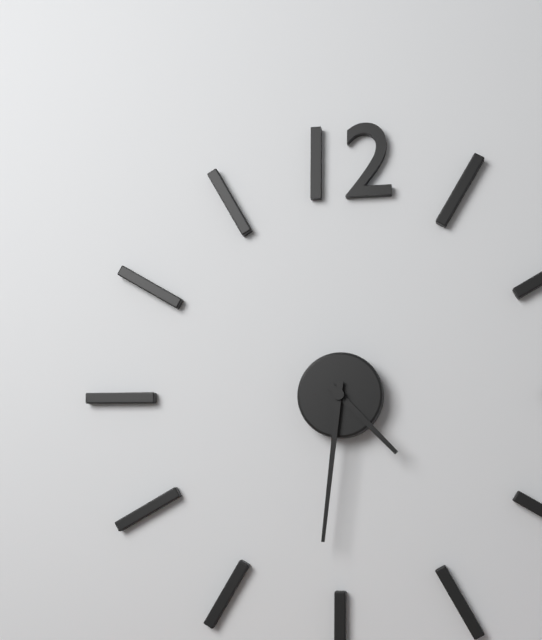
4:31
